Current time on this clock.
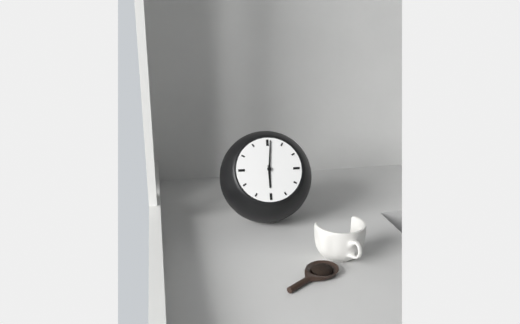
6:01
